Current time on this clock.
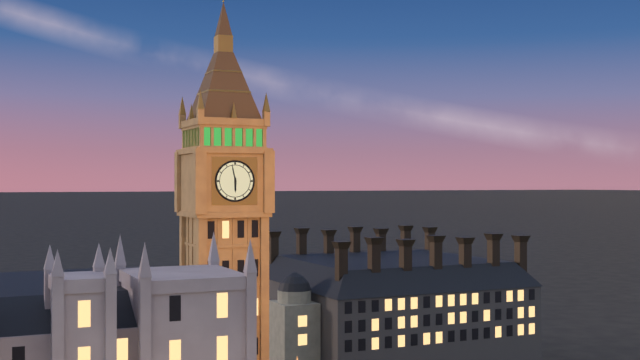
5:58
